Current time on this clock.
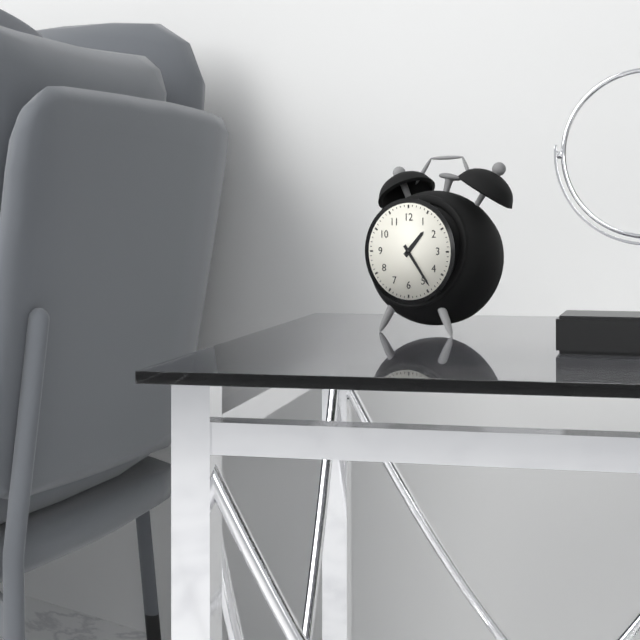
1:24
